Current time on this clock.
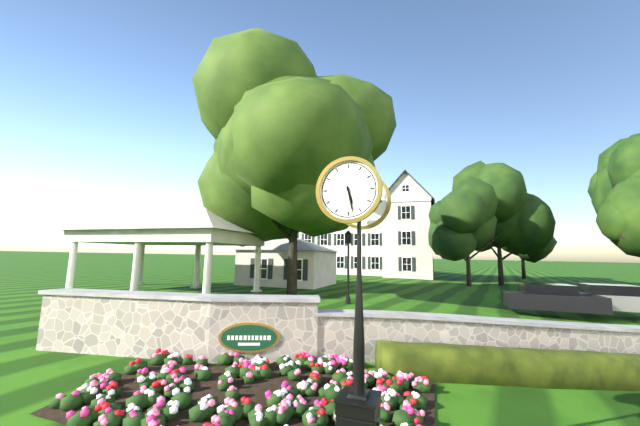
5:28
